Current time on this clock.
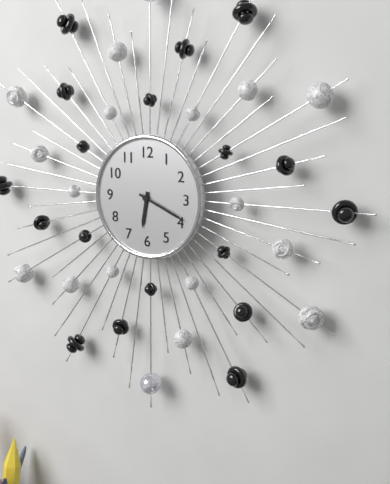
6:19
